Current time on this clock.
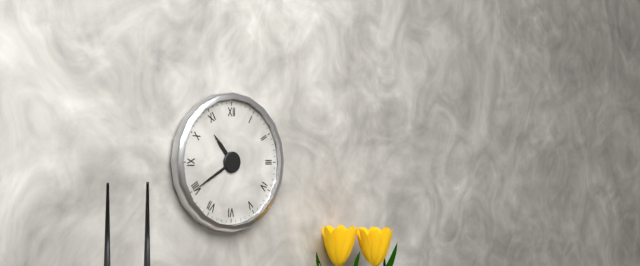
10:40
